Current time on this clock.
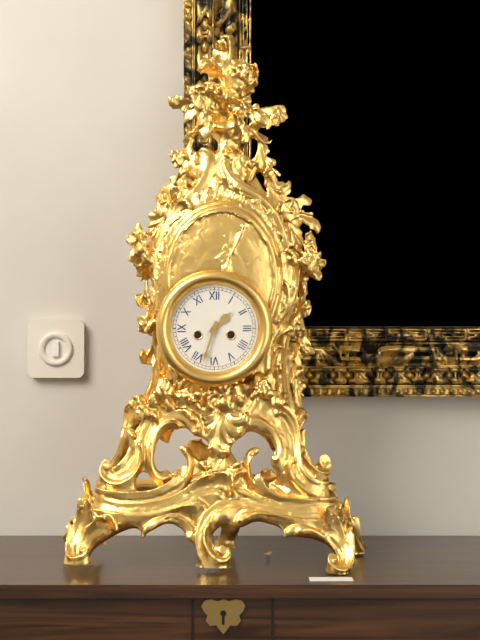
1:33
